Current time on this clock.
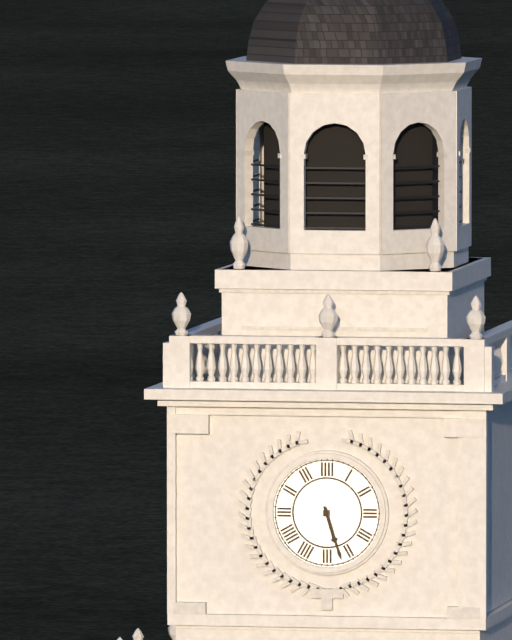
5:27
